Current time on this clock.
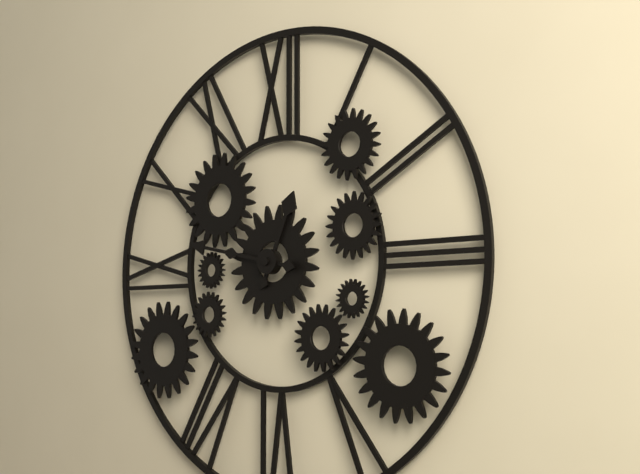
12:47
